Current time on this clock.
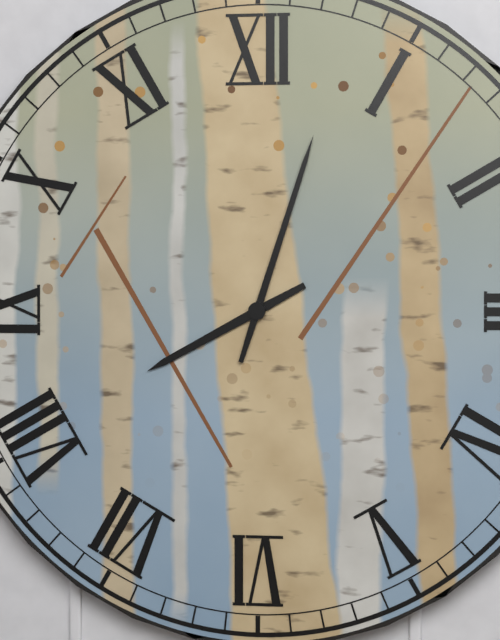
8:03
